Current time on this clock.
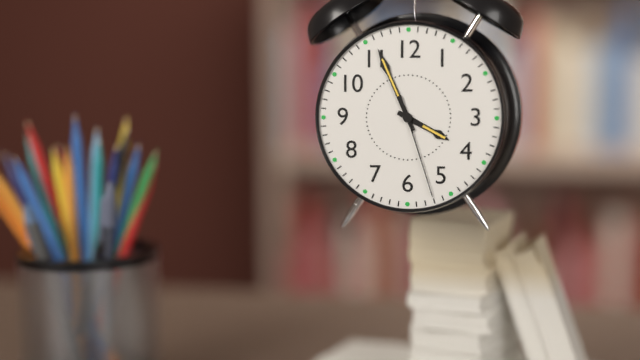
3:56:27
